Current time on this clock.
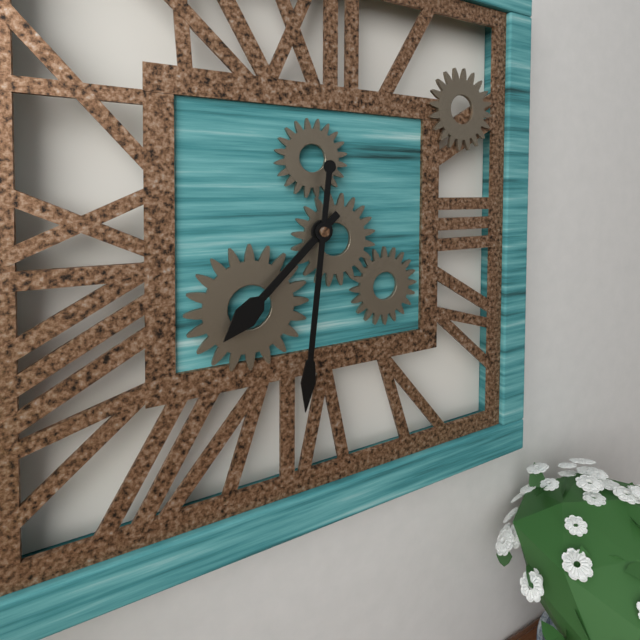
7:31
